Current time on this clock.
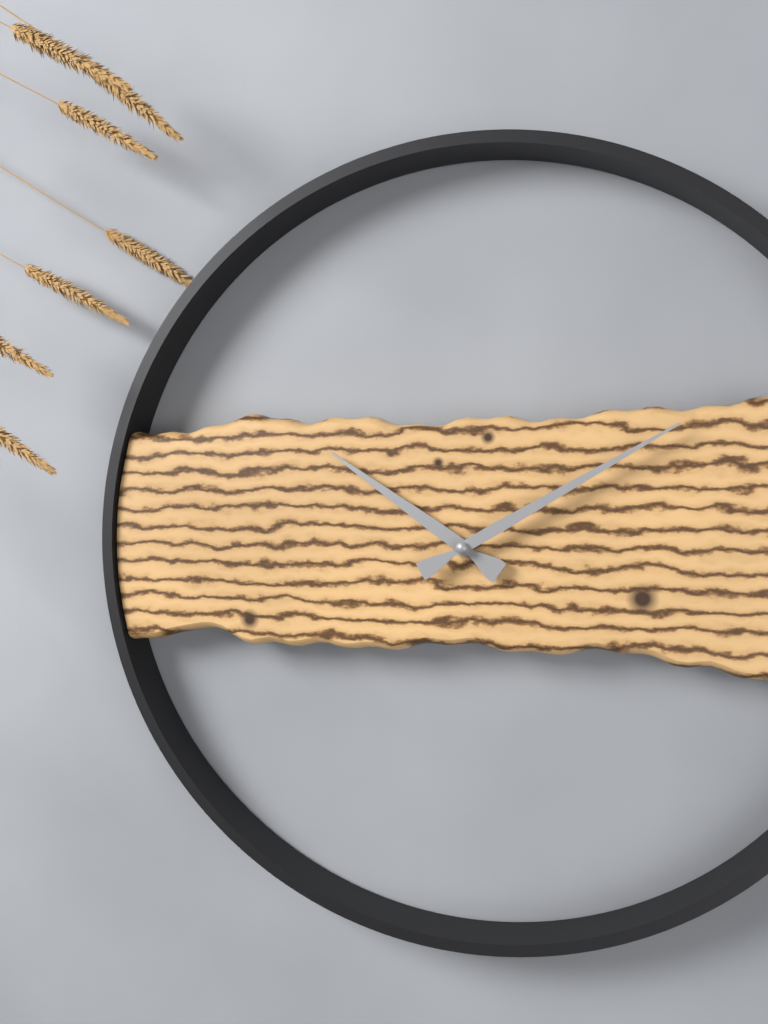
10:10
